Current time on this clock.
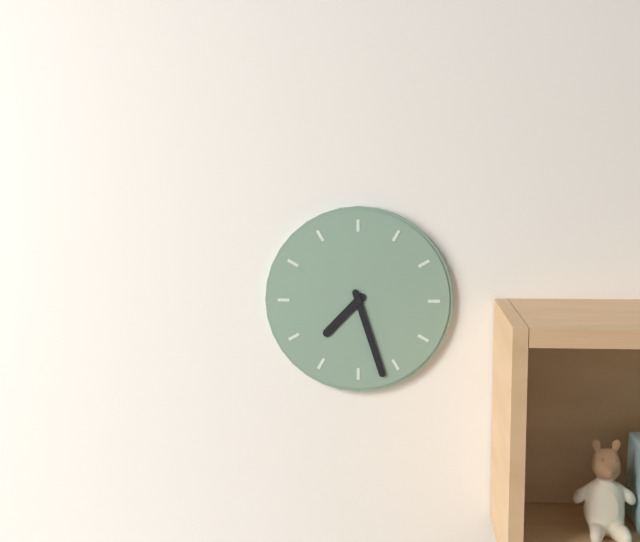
7:27
